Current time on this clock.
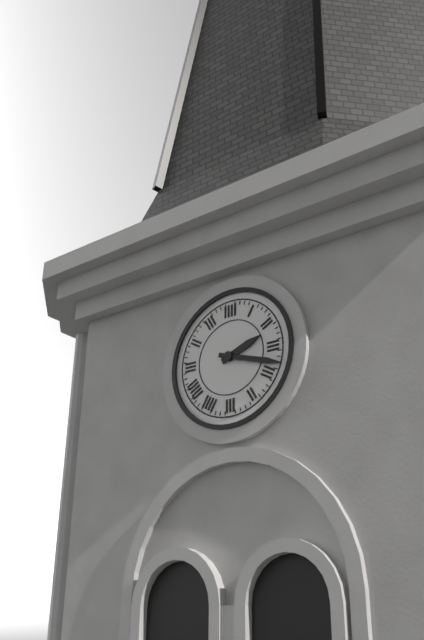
2:18
